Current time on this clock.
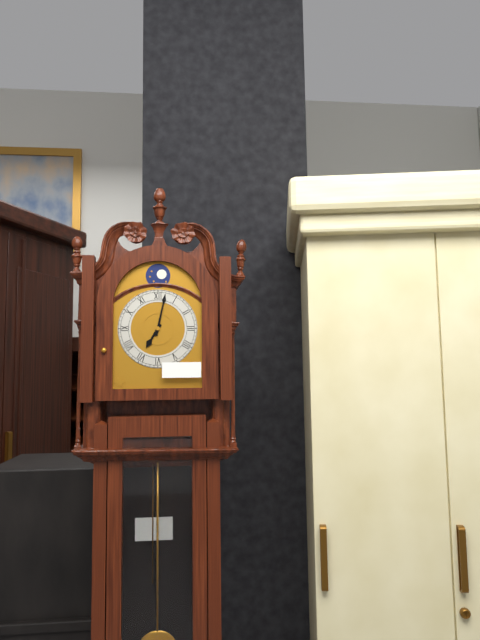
7:02
